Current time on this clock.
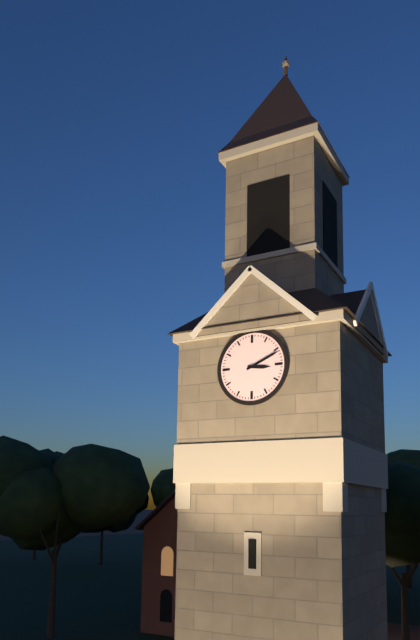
3:11
